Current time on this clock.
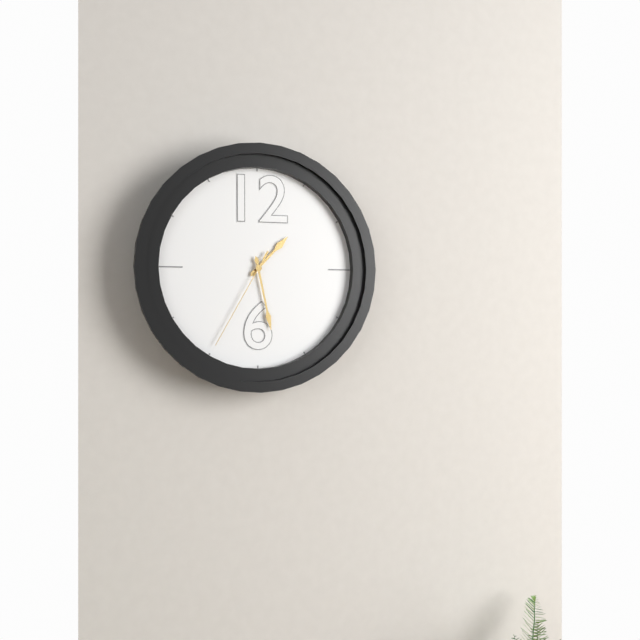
1:28:35
